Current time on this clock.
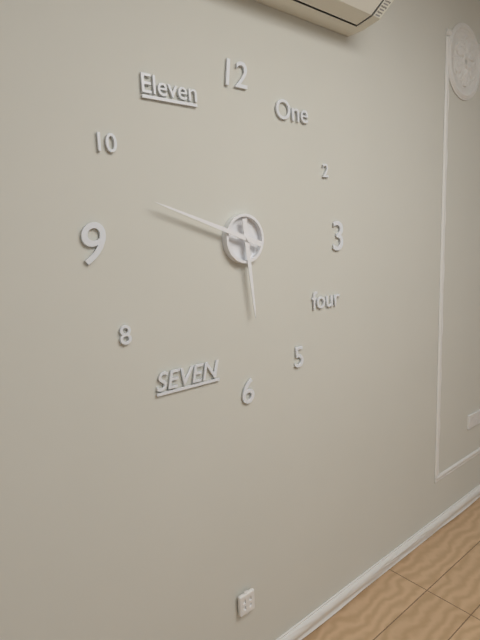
5:48
